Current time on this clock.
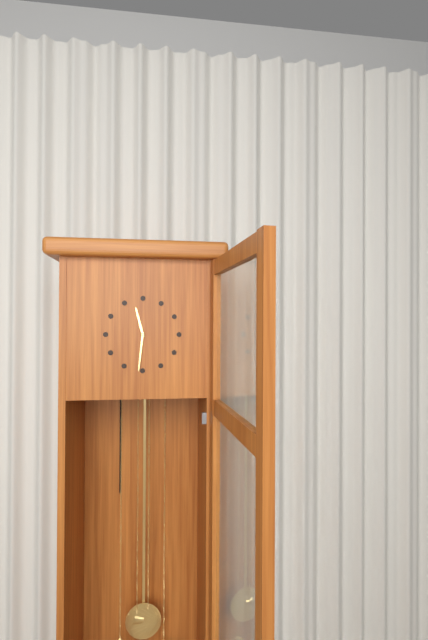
11:31
